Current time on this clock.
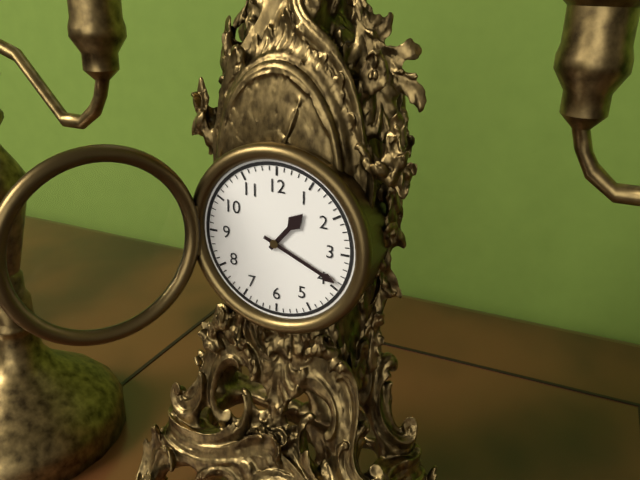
1:19
